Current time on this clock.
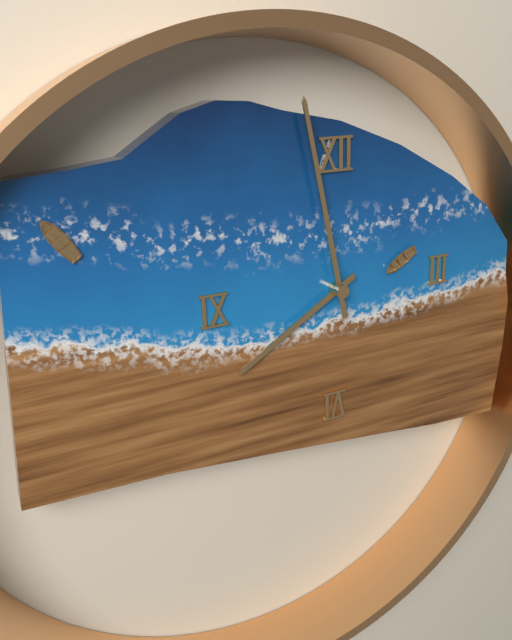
7:58
